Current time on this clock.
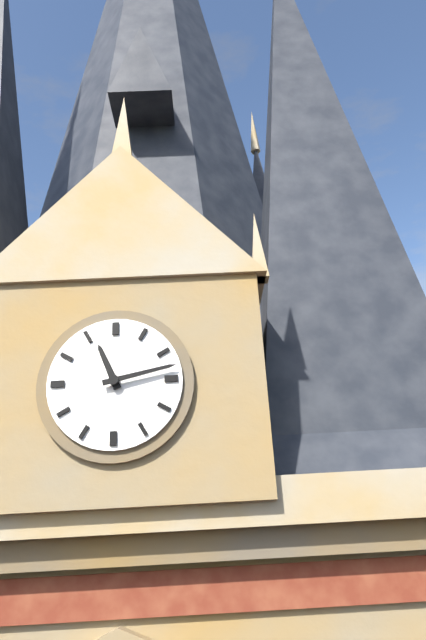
11:13
